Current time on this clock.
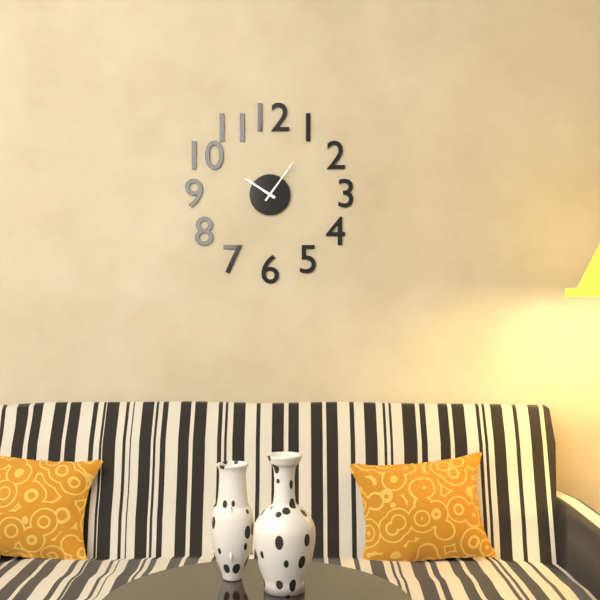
10:06
